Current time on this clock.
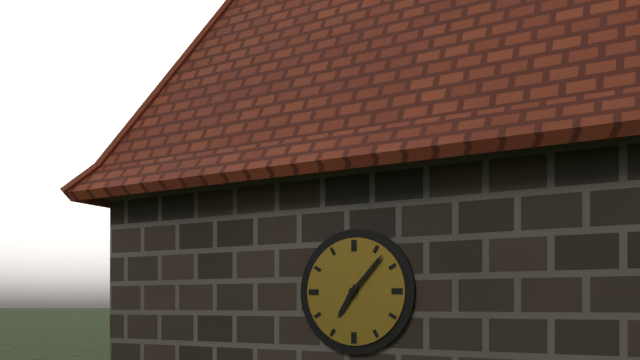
7:07
